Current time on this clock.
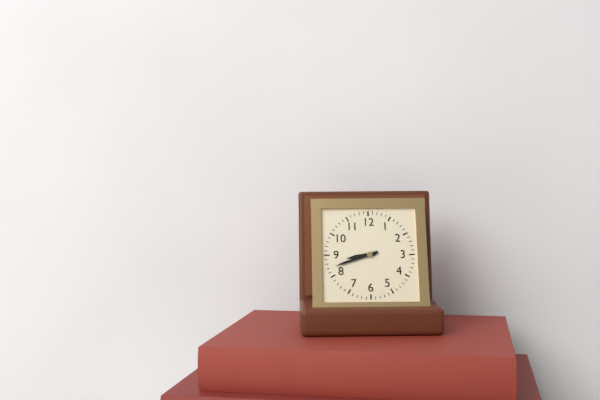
8:42
